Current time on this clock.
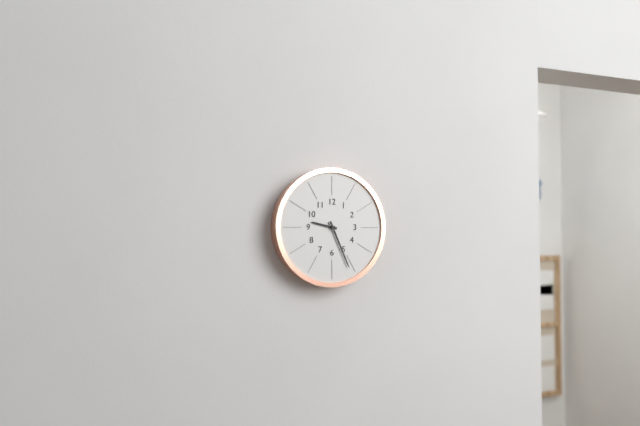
9:26
